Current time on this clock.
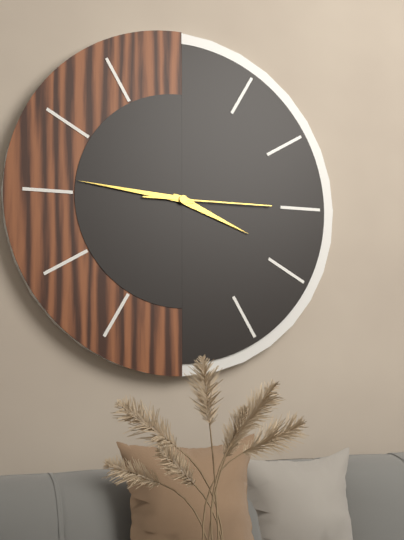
3:46:15
